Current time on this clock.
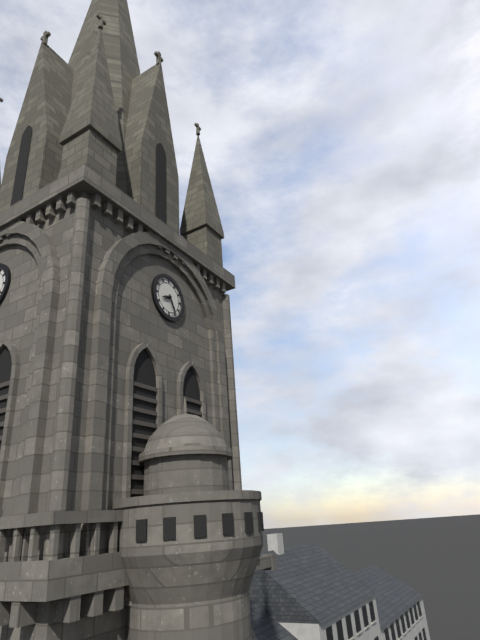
8:25
